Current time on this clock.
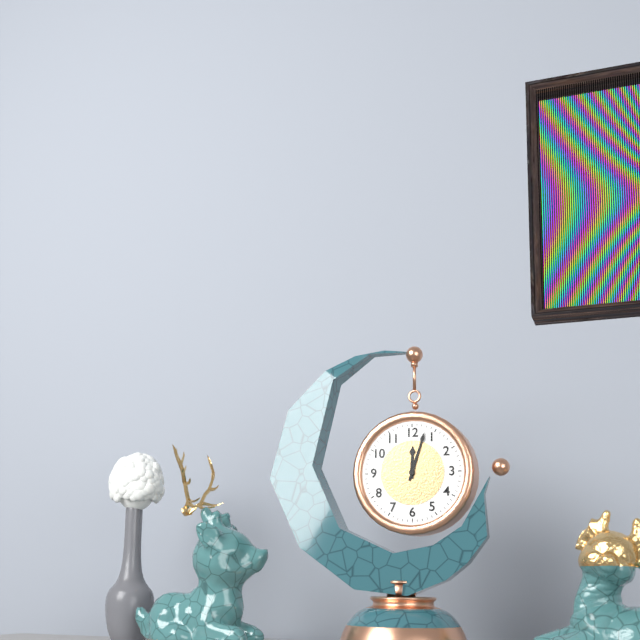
12:03
